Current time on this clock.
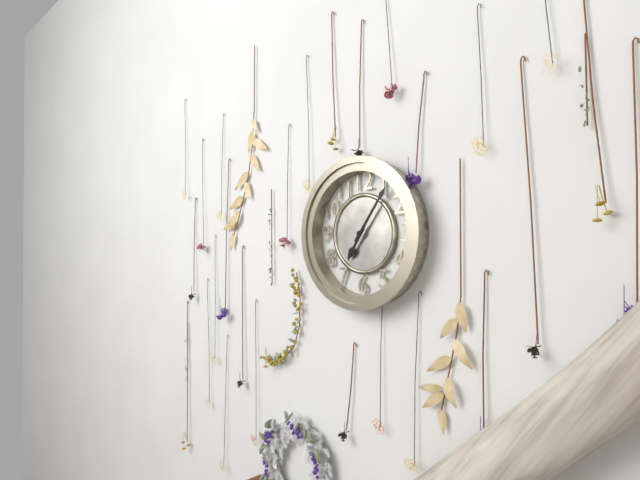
7:06
